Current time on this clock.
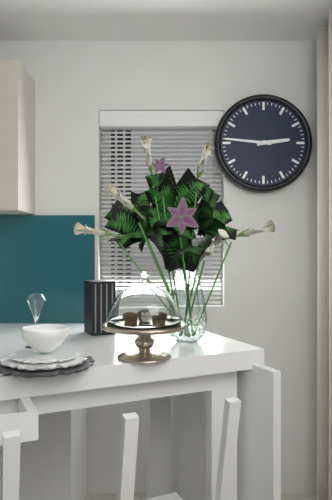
2:46
